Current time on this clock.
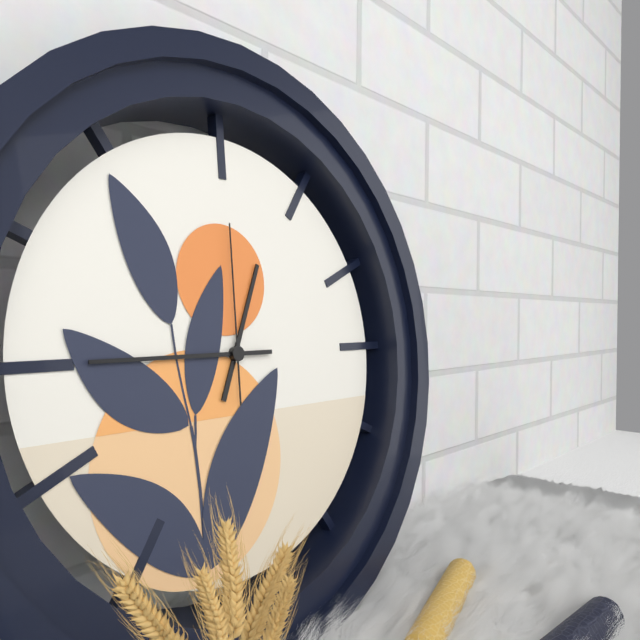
12:45:00
